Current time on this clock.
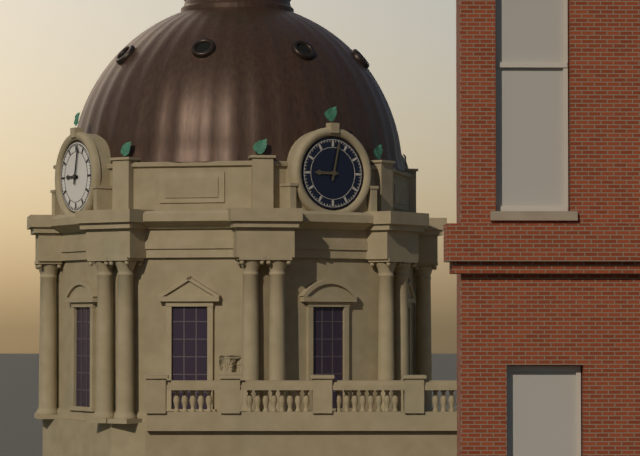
9:02
